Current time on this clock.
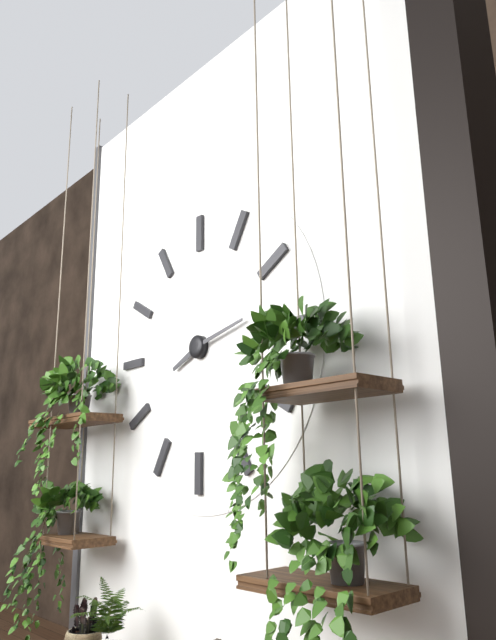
8:13
